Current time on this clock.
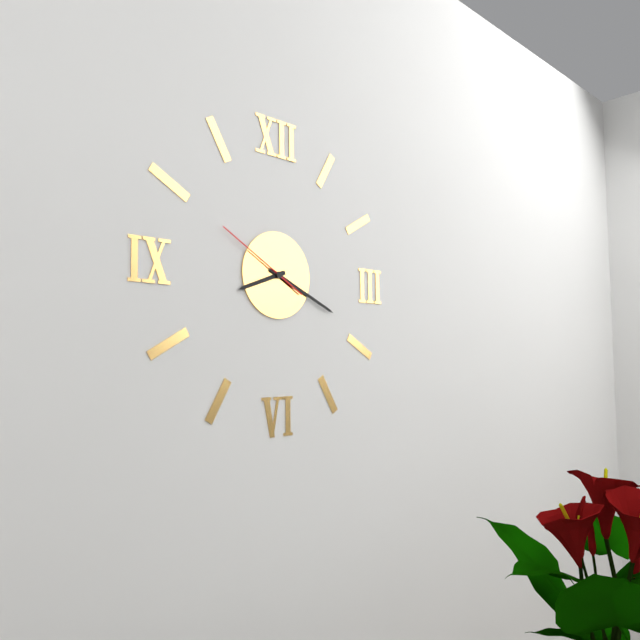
8:19:50
